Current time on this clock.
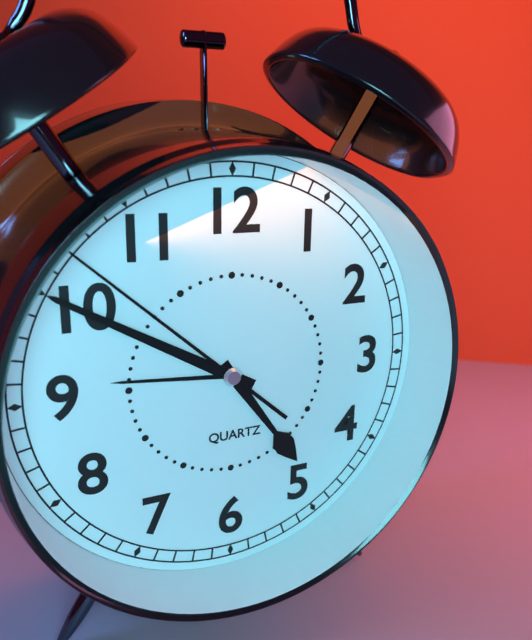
4:50:52
